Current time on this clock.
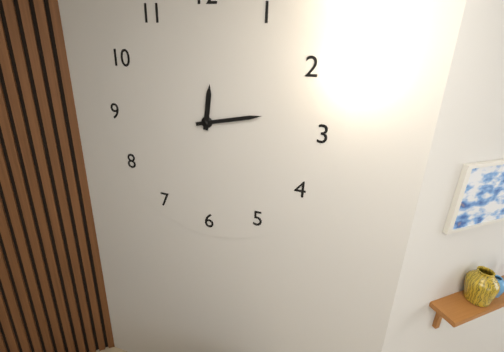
12:13
